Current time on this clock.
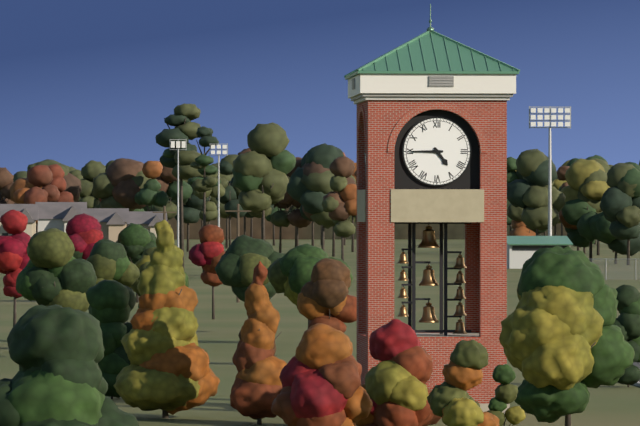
4:45
